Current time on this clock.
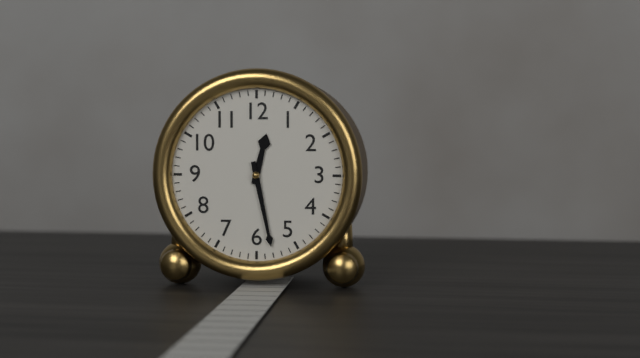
12:28
